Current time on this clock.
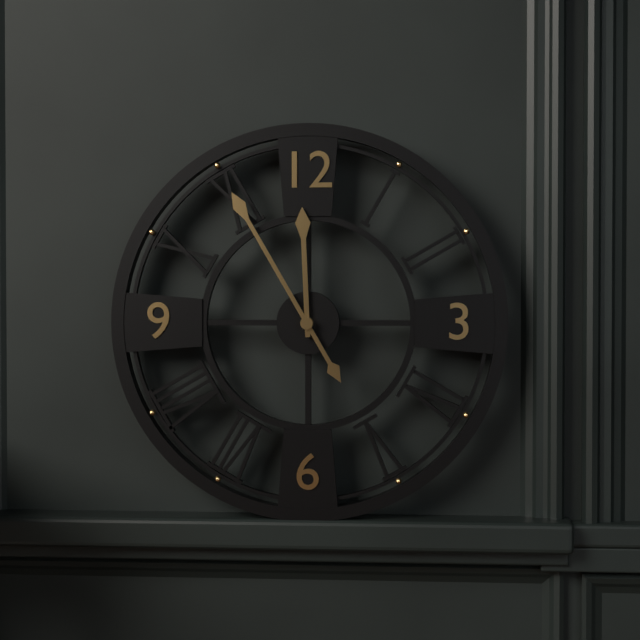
11:55
